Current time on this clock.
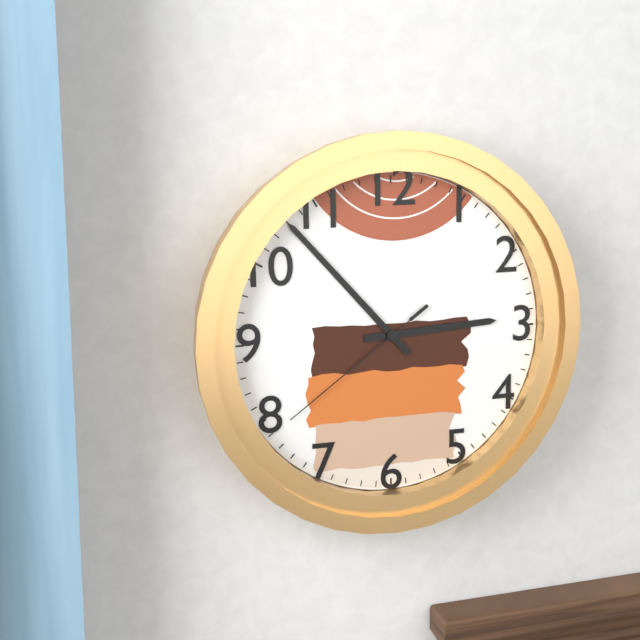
2:53:39
